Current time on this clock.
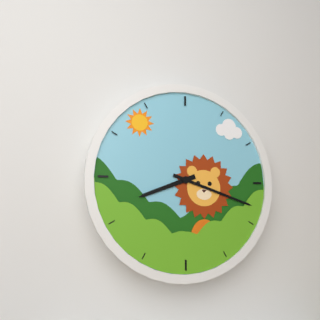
8:18
